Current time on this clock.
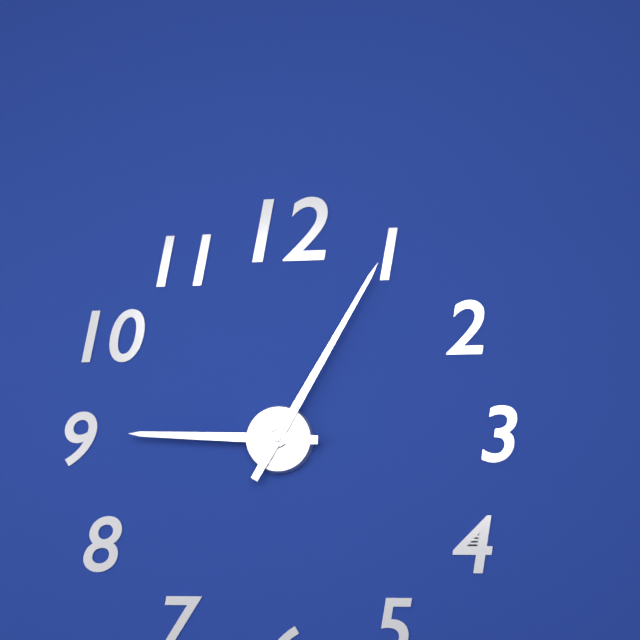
9:05
